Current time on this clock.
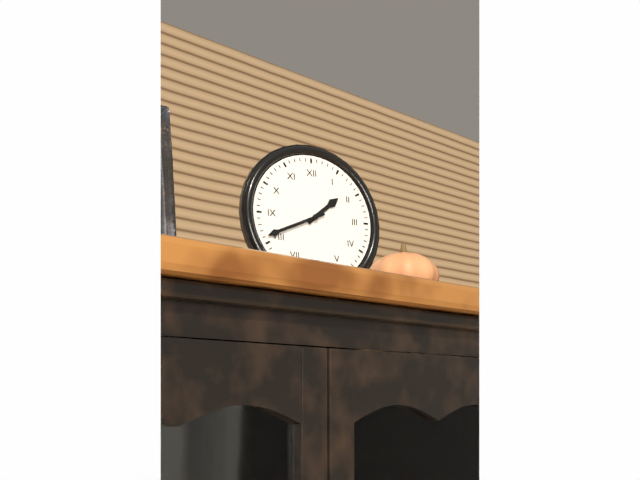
1:41
